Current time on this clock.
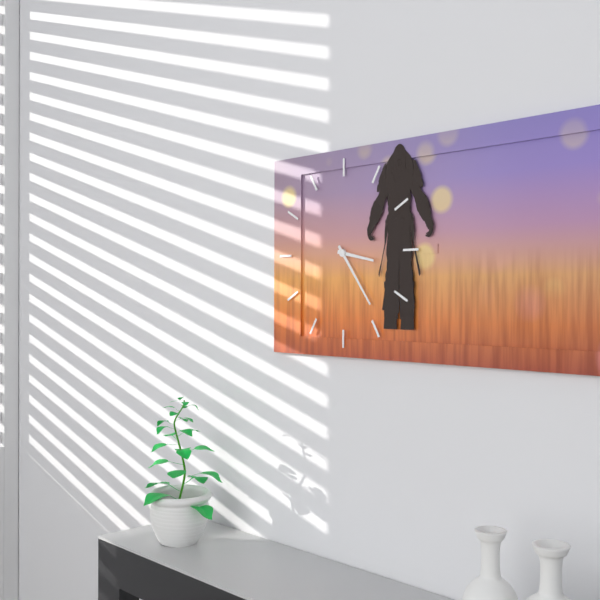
3:24
